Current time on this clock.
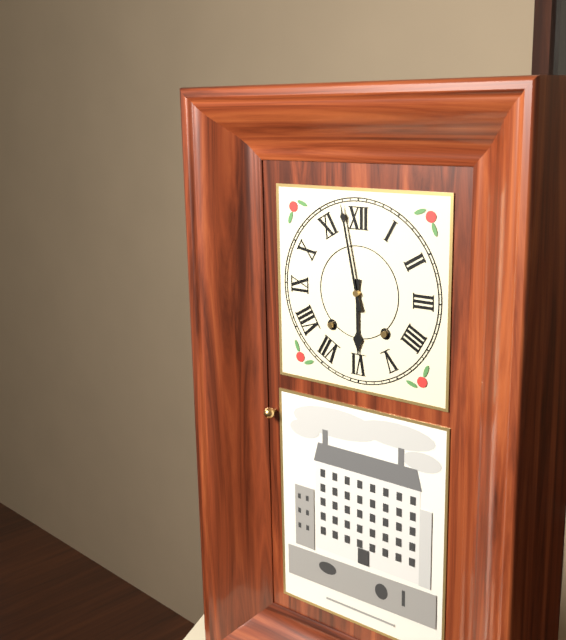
5:58
